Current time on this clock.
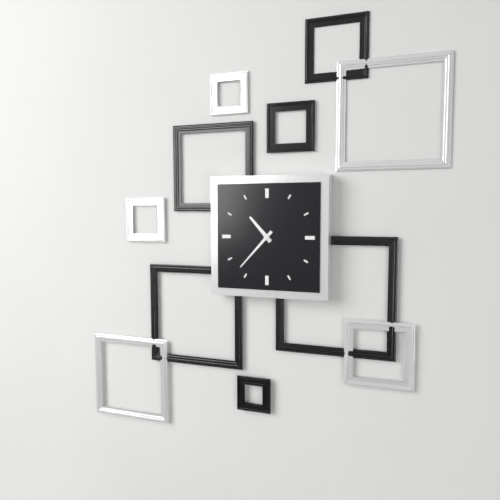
10:37
